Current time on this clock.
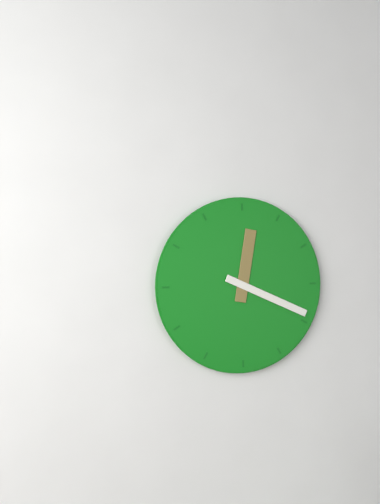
12:19
